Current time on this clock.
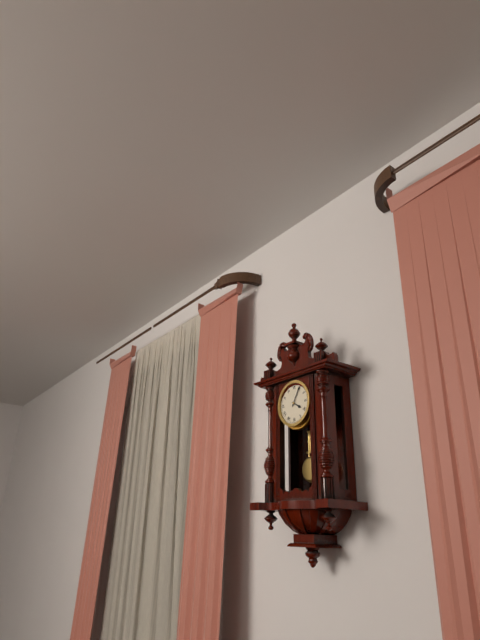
4:05
